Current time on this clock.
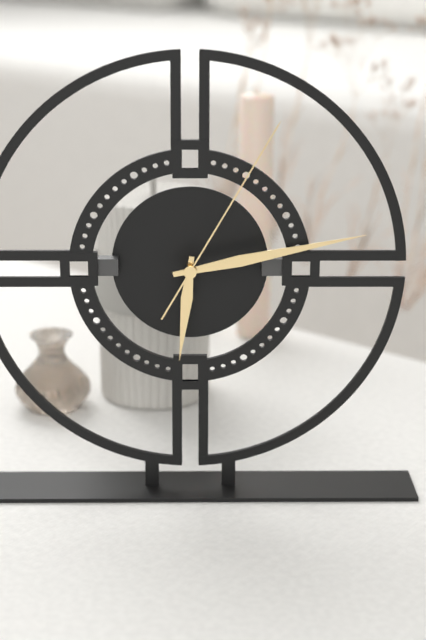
6:13:05
